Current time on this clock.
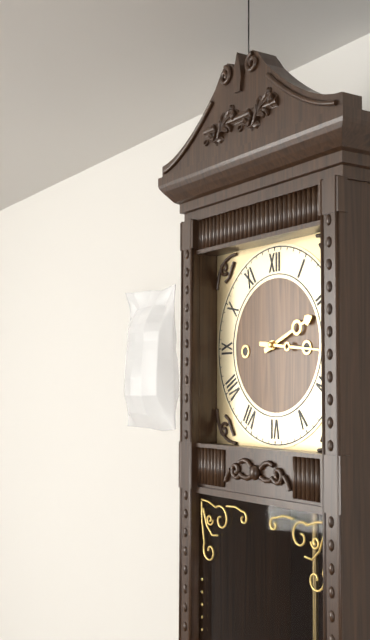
2:16
